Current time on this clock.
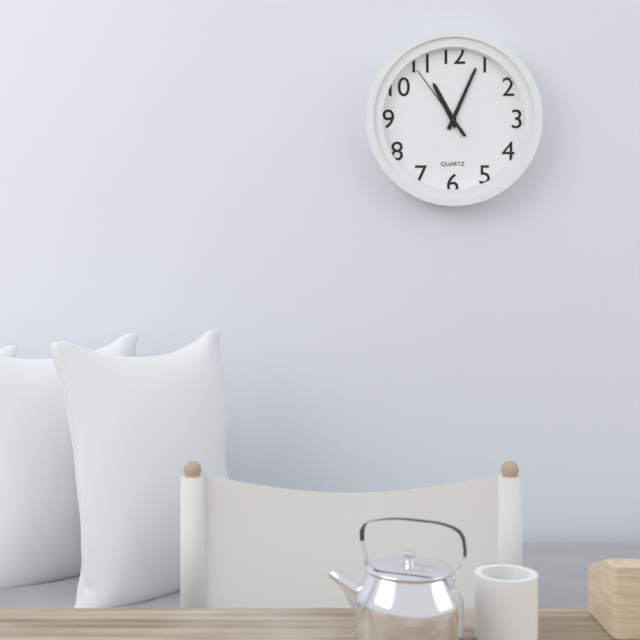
11:04:54
